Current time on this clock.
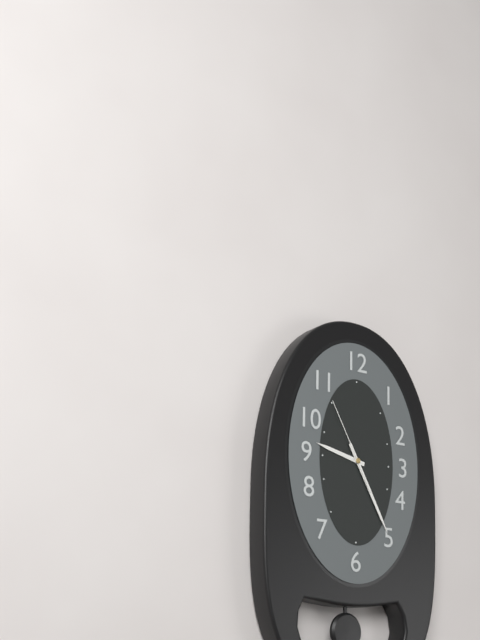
9:25:55
